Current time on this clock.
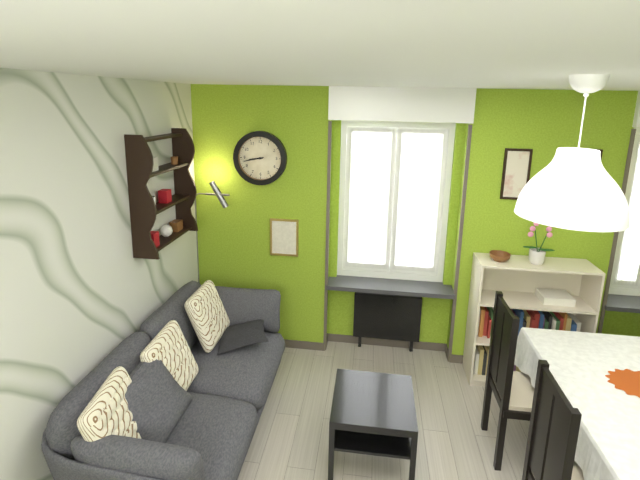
8:43
